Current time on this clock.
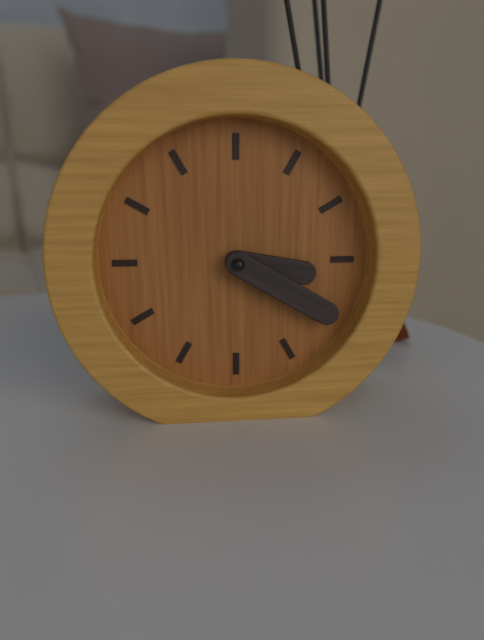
3:20
